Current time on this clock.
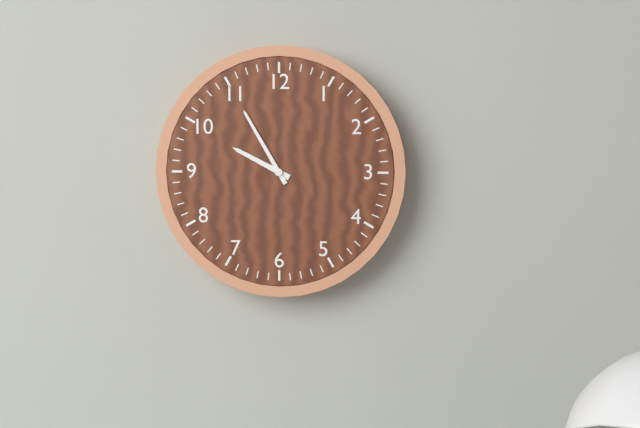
9:55
